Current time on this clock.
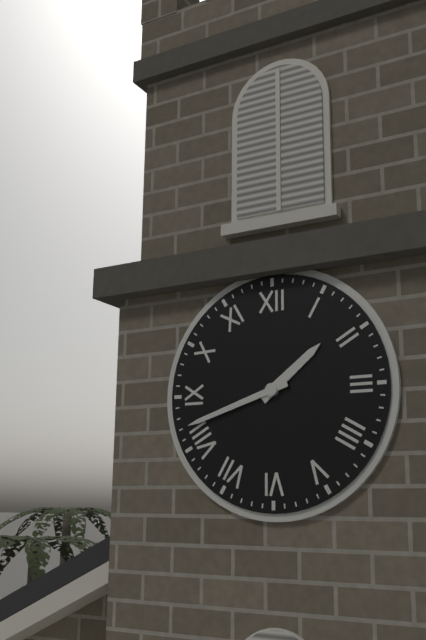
1:42
